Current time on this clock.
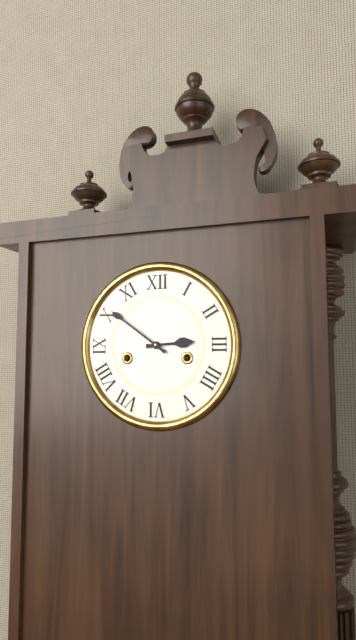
2:51
